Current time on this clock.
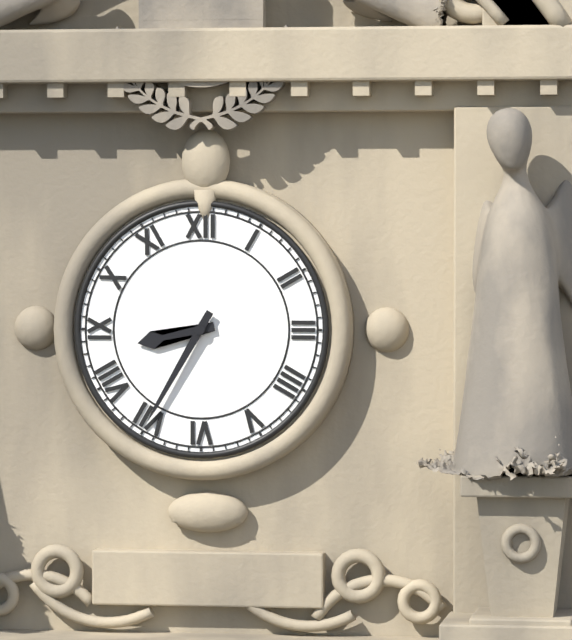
8:35
